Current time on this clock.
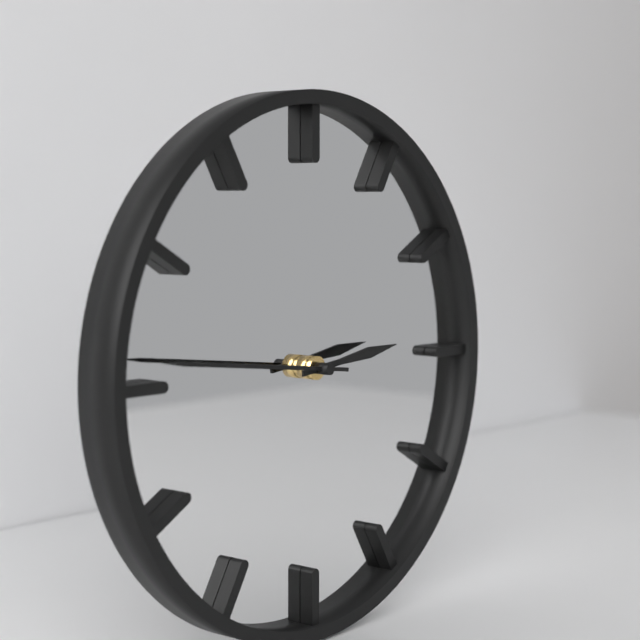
2:46
